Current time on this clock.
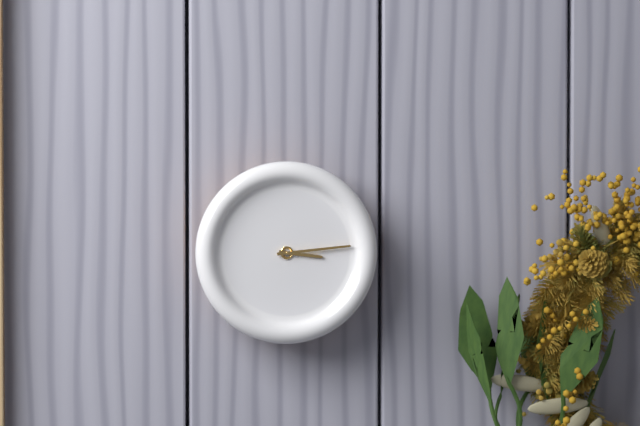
3:14
